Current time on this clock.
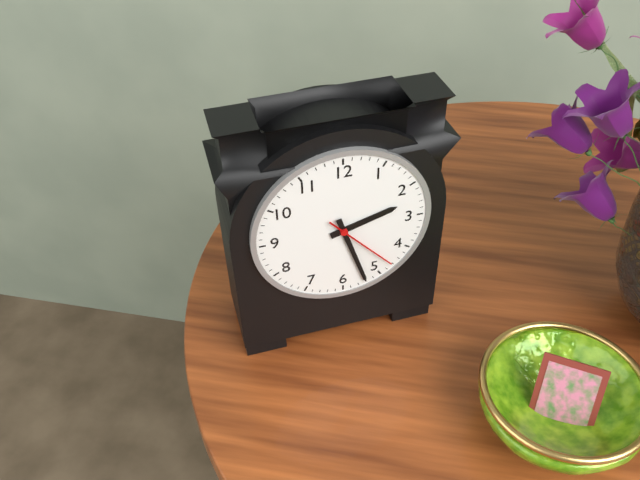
2:27:23
